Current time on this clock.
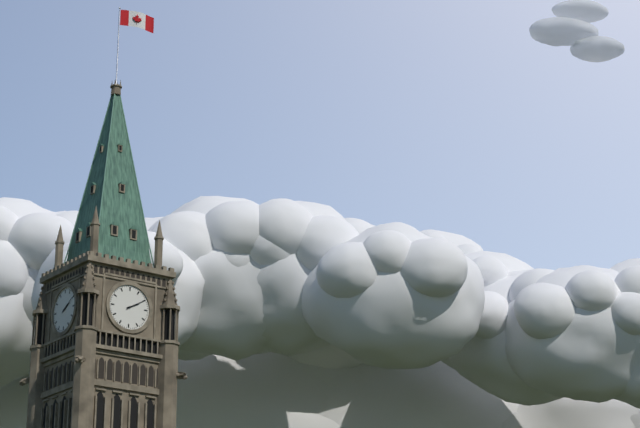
2:10
